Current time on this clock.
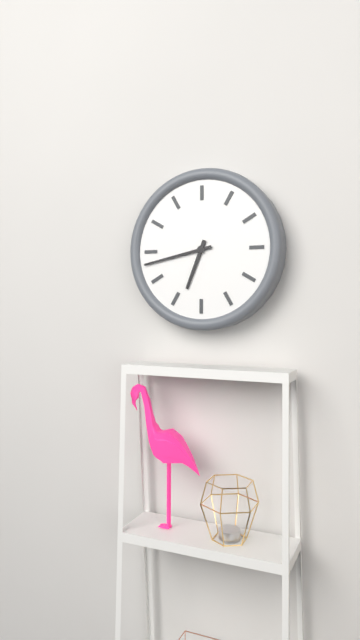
6:43
